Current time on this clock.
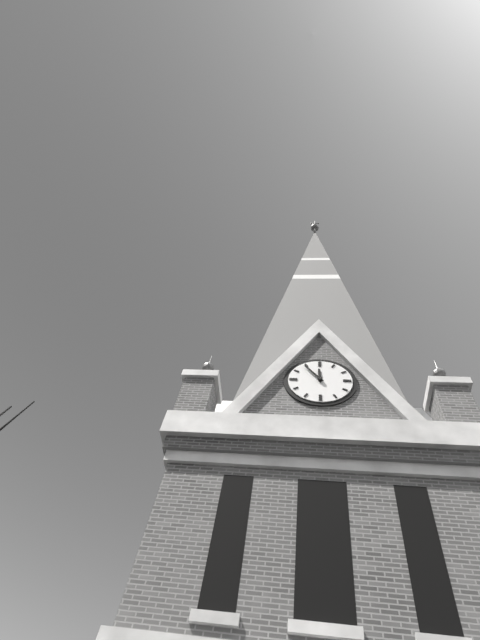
11:54
